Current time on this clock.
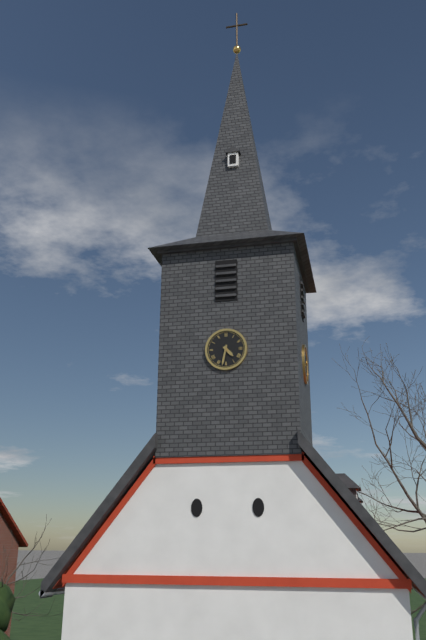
4:32
